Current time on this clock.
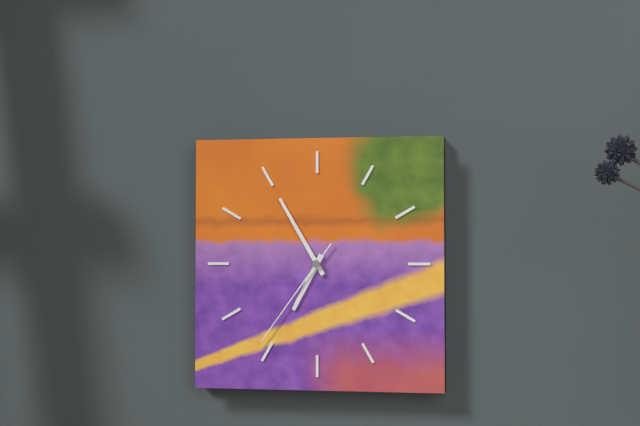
6:55:36
